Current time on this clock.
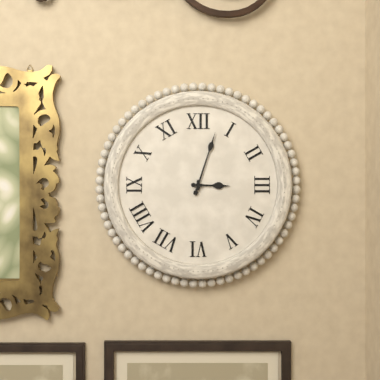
3:03
